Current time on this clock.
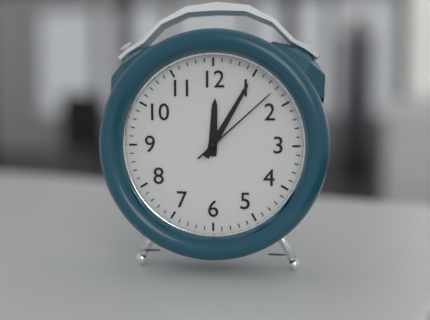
12:05:08
